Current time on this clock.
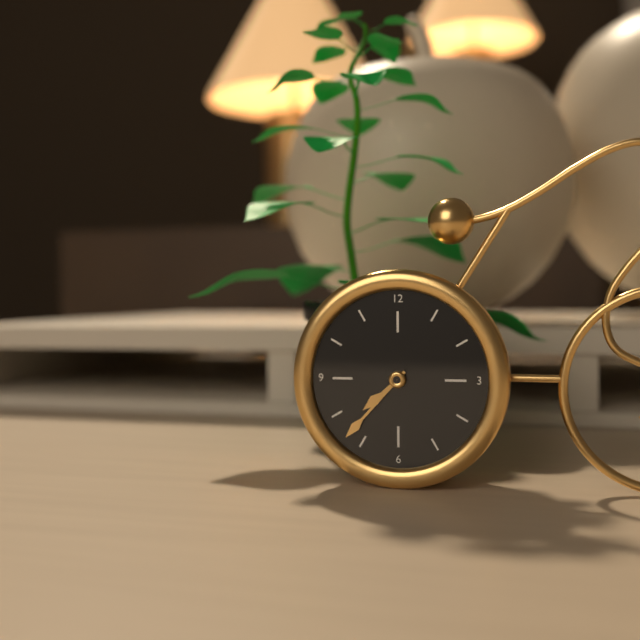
7:37
